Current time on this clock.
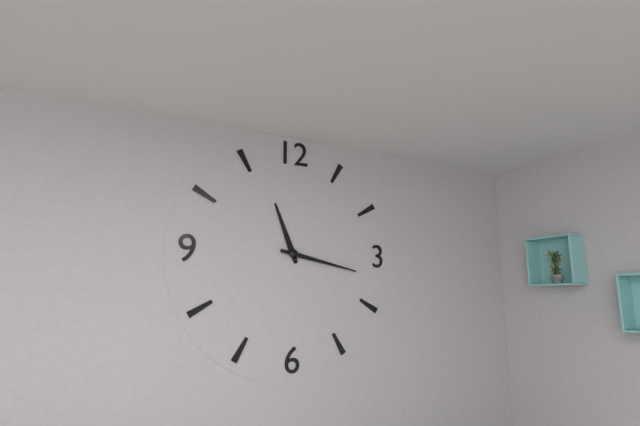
11:17
